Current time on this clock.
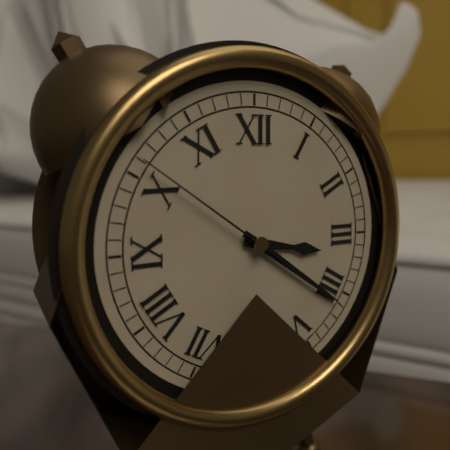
3:21:51
